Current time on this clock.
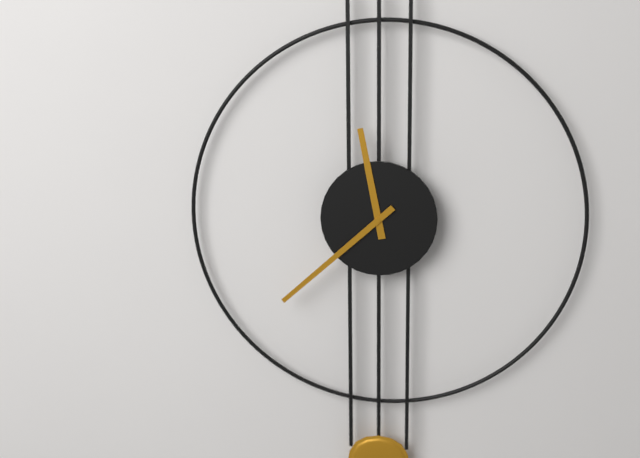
11:38
